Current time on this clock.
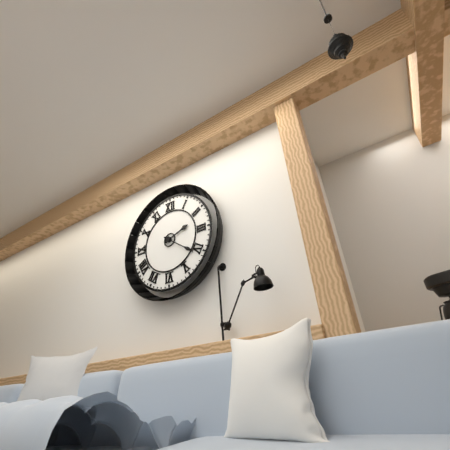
2:21
